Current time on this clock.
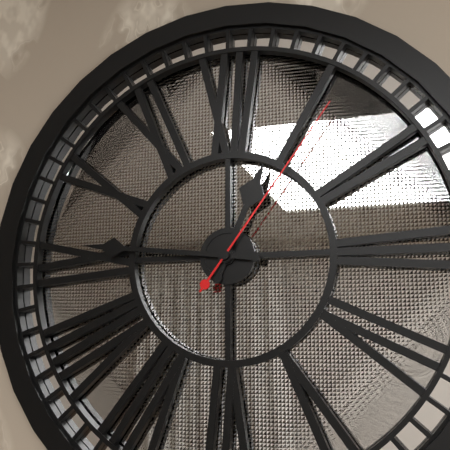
12:46:06
